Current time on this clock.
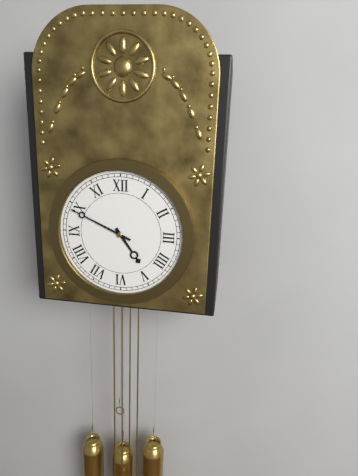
4:49
